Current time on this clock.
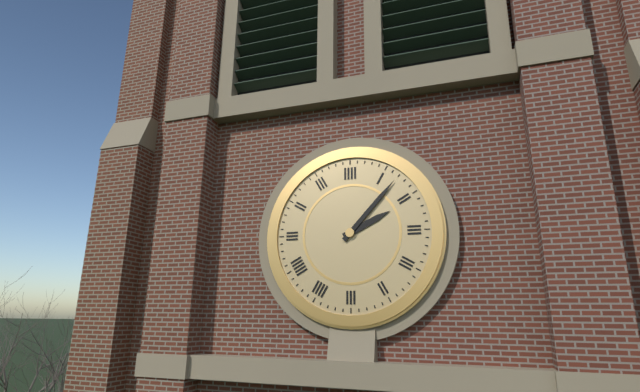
2:07
